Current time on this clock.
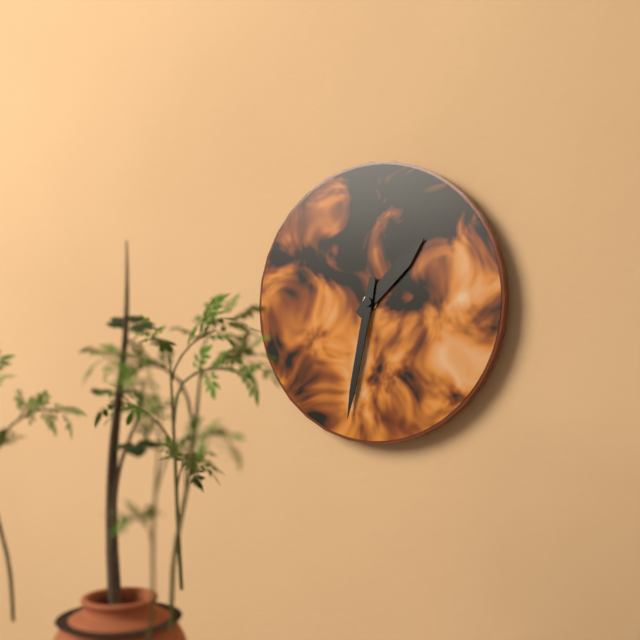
1:32
